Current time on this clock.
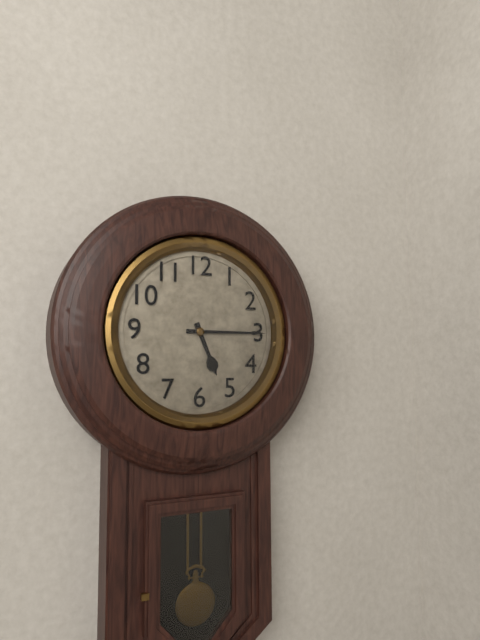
5:15
